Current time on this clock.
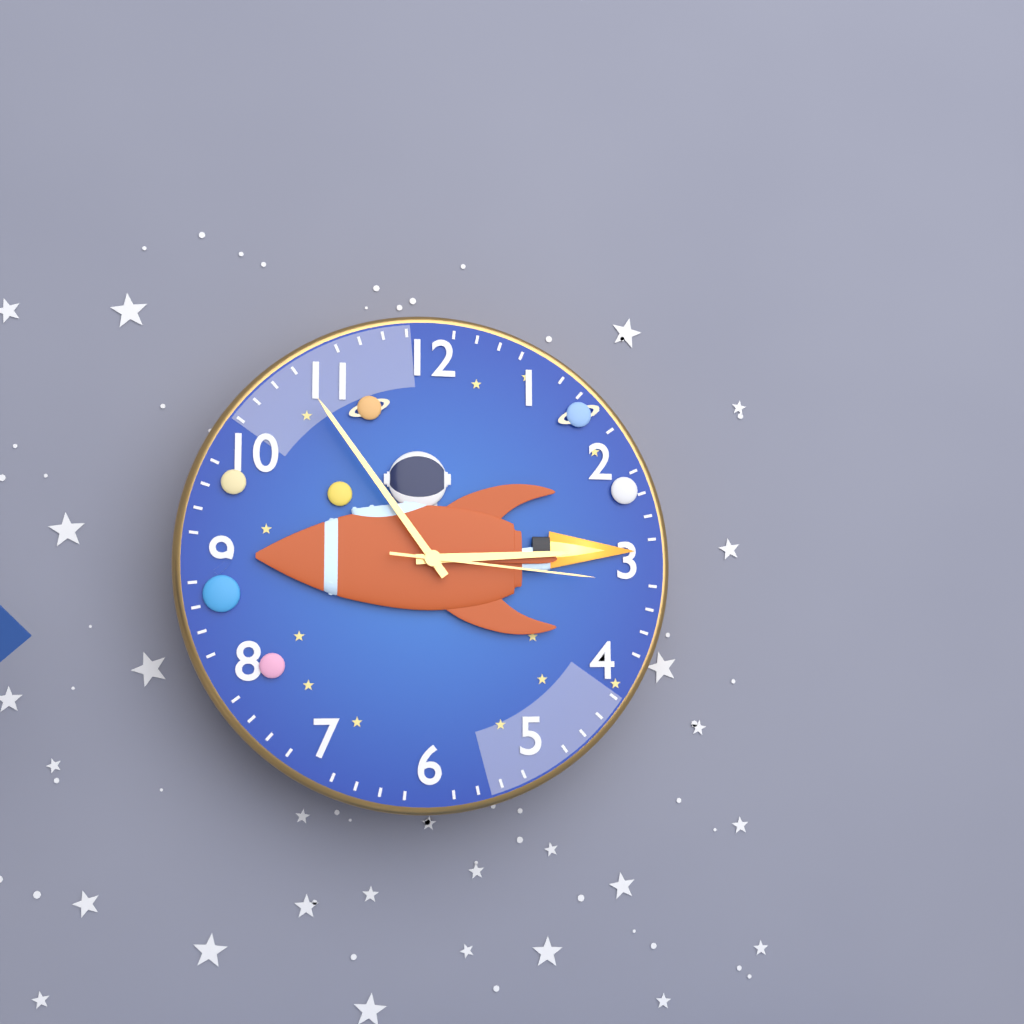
2:54:16
